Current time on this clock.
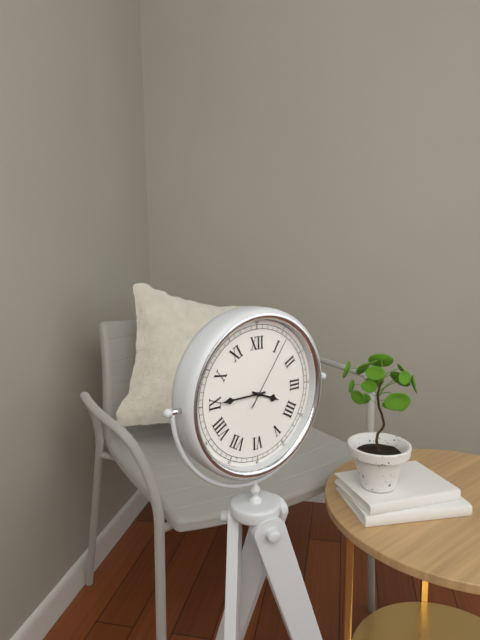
3:45:06
